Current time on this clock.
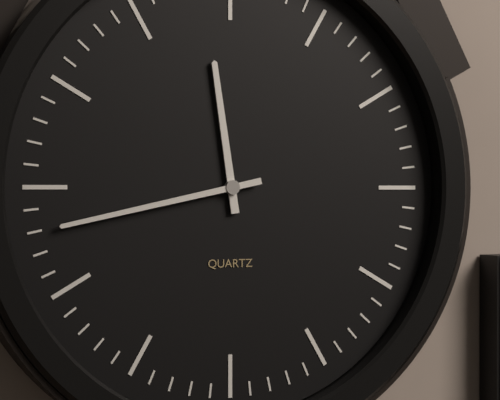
11:43
